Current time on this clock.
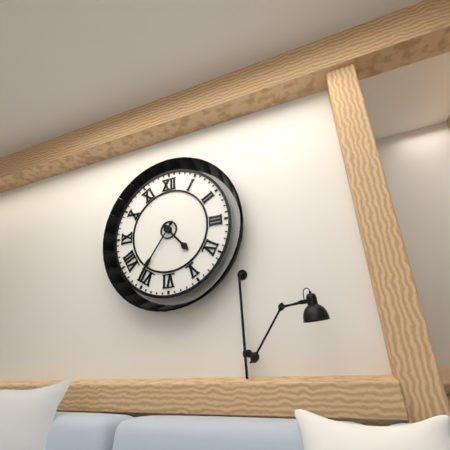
4:36
